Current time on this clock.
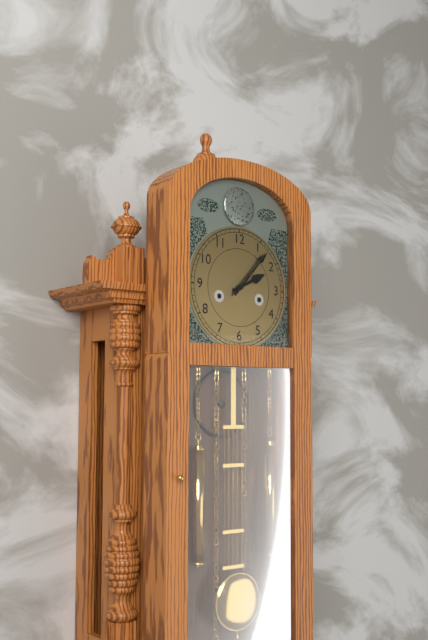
2:07
